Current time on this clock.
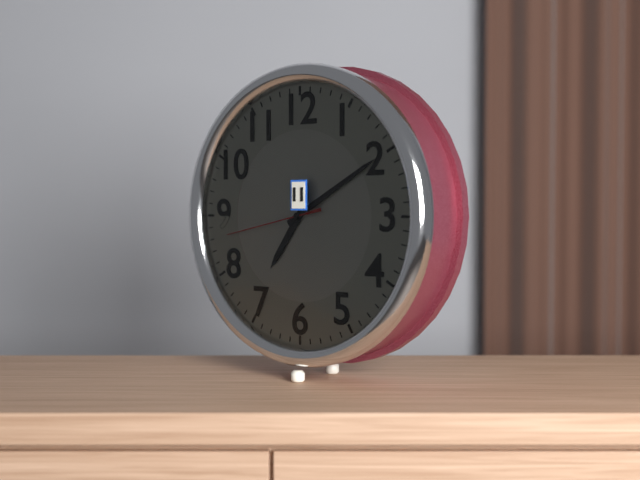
7:10:43
